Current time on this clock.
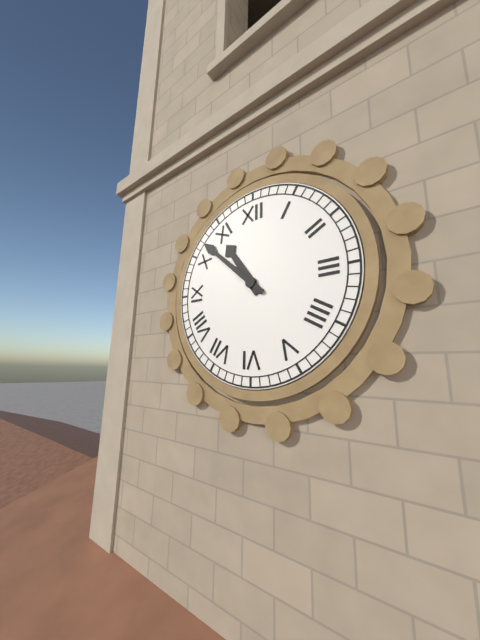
10:52
